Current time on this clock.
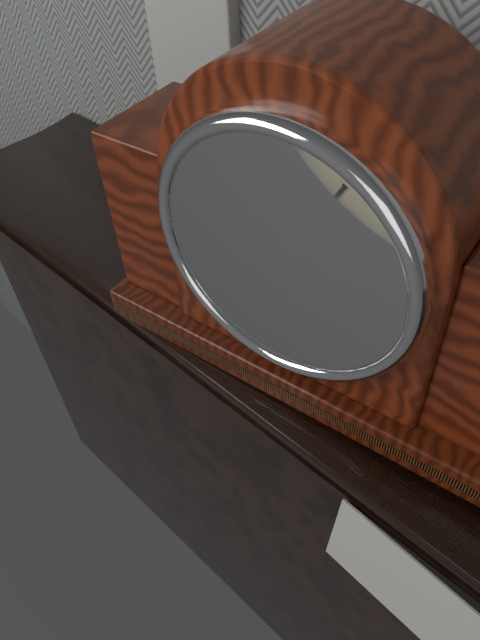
11:42
